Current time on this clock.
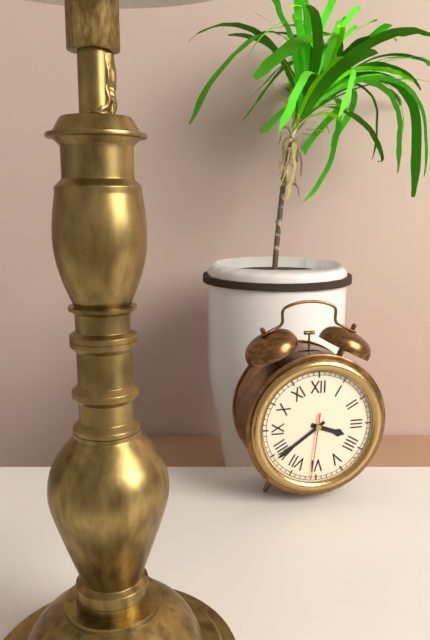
3:39:31
